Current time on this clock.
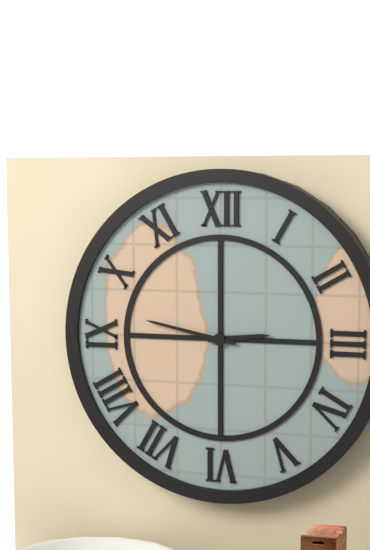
2:47
